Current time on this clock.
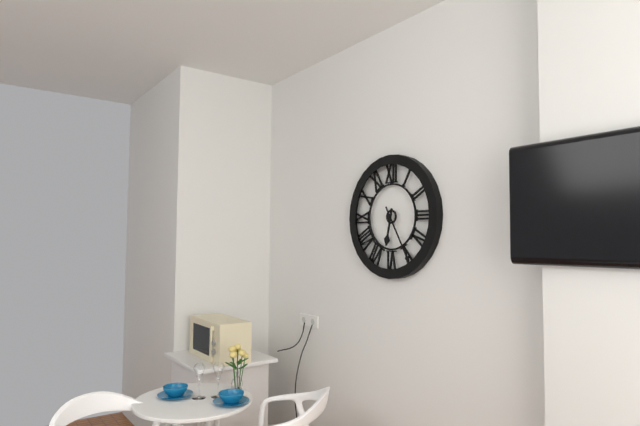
6:25
